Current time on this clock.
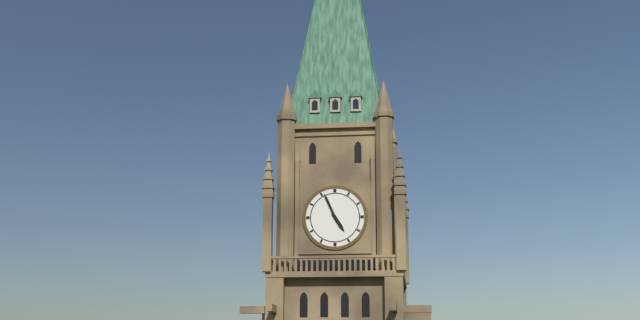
4:56
